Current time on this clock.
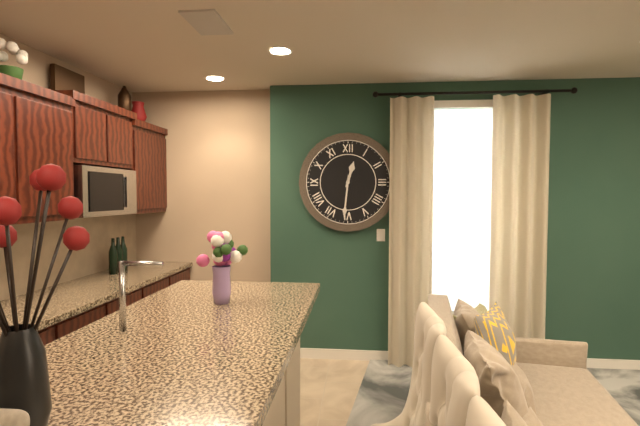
12:31
